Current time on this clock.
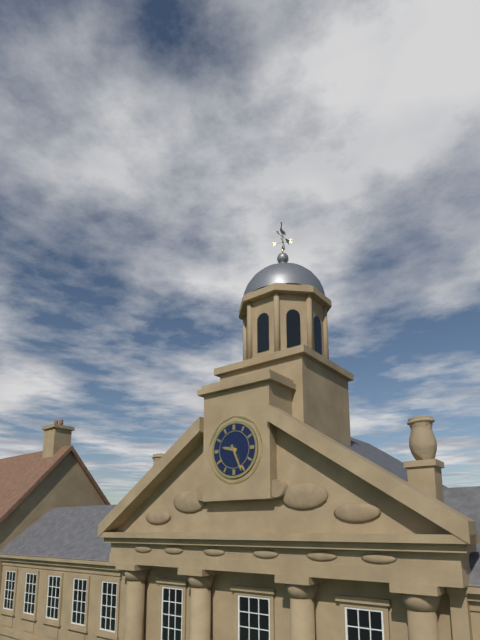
9:26
